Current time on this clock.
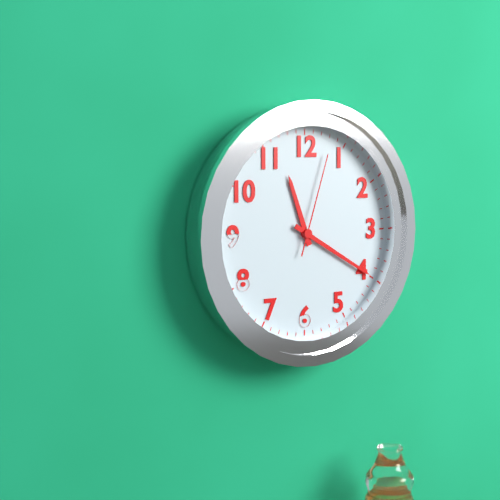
11:20:03
